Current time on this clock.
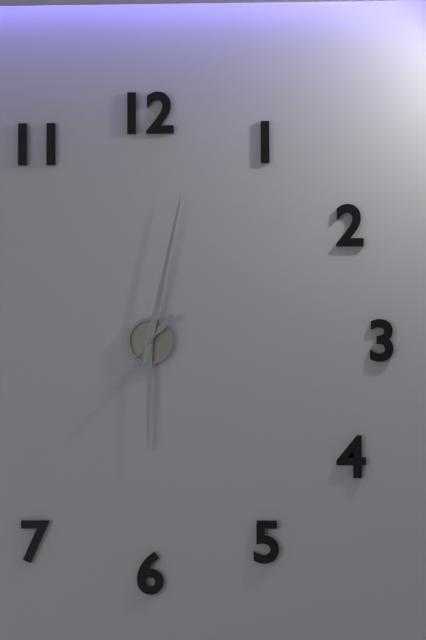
6:02:37
